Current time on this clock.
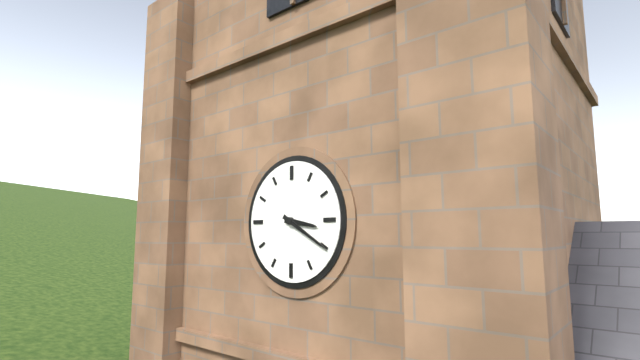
3:20
